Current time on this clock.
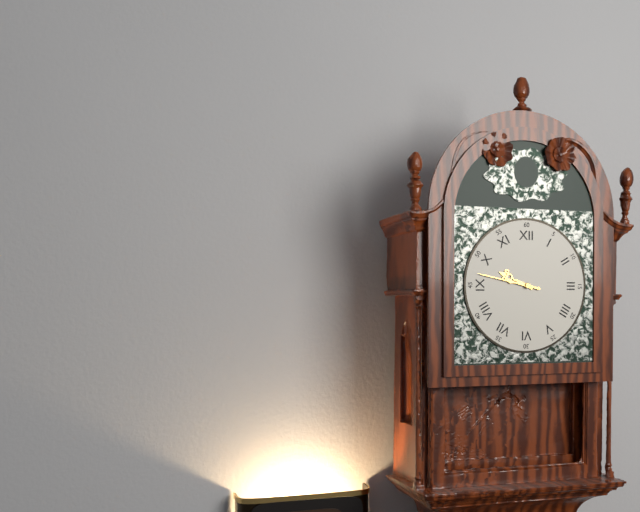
9:47
